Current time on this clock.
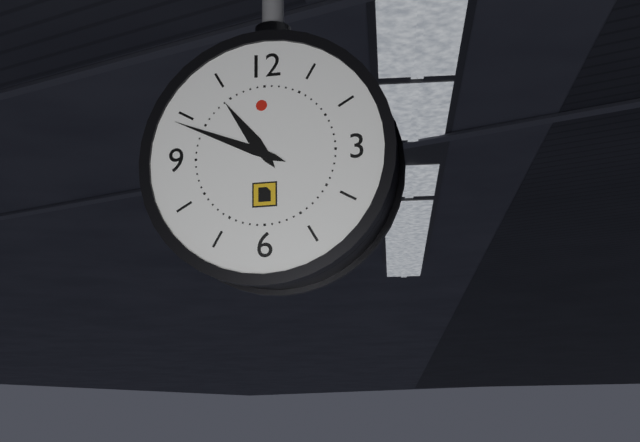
10:49
